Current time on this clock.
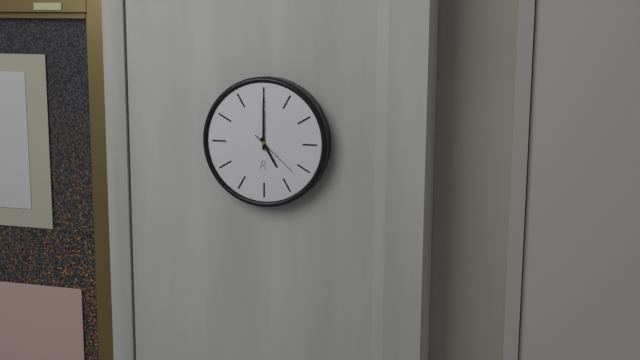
5:00
